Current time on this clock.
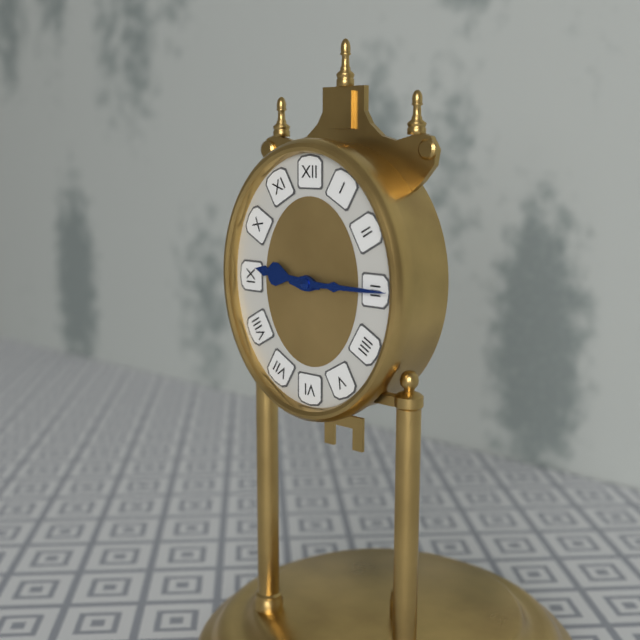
9:15
